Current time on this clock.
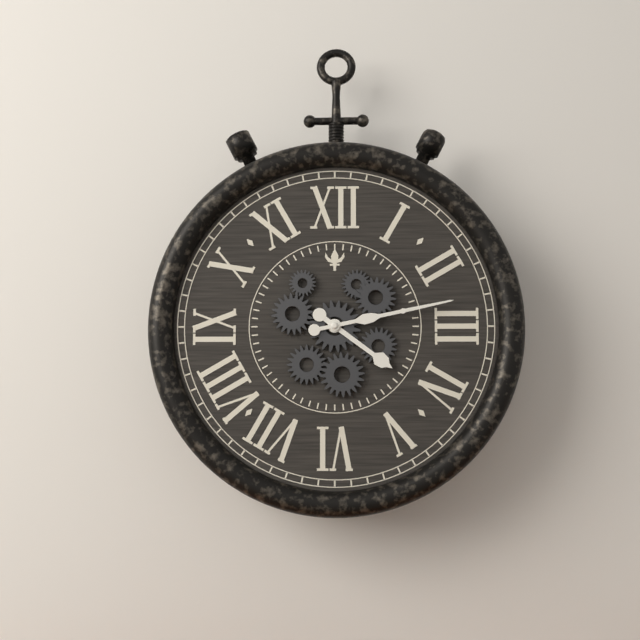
4:13
